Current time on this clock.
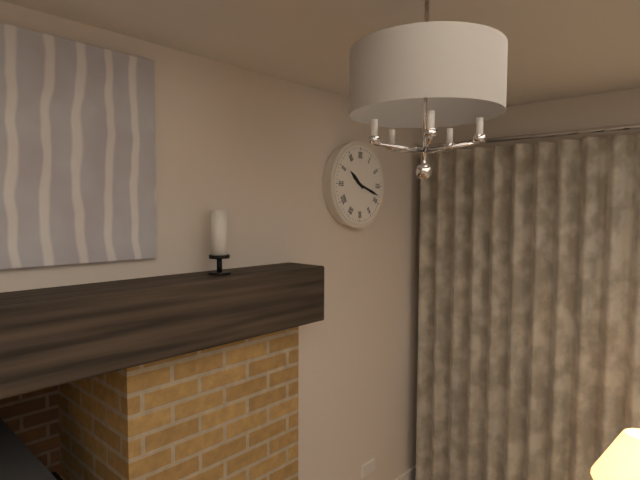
10:18
